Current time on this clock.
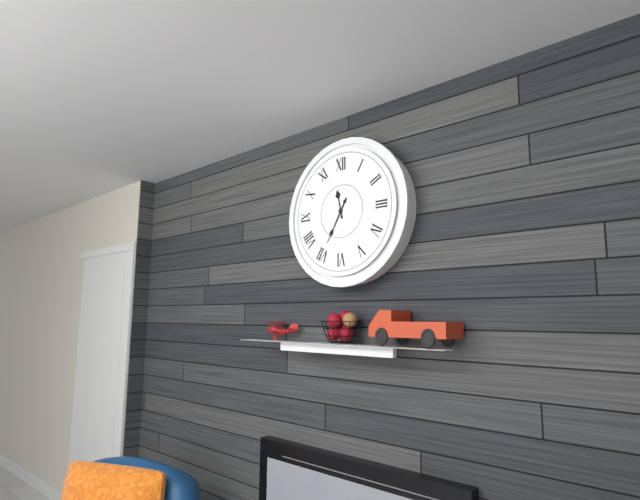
11:35
